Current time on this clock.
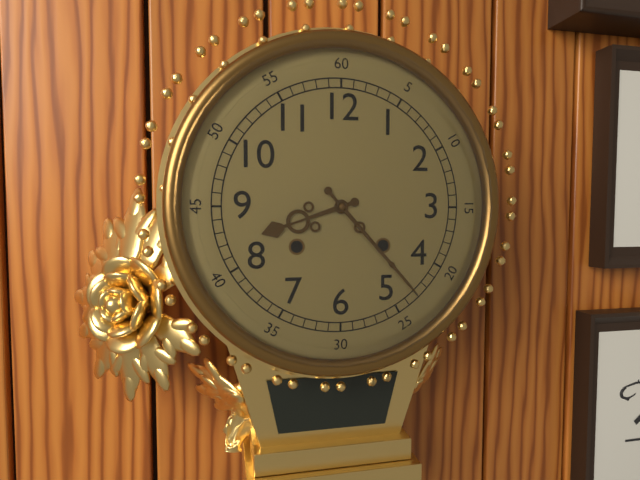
8:23
